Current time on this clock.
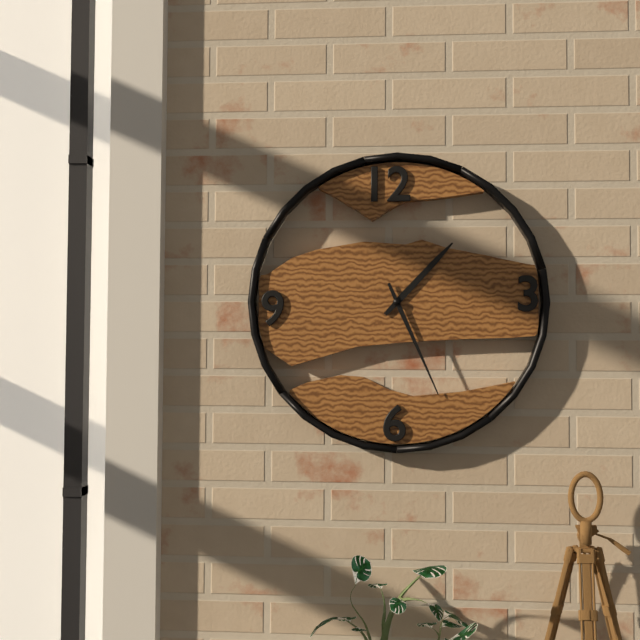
1:26
